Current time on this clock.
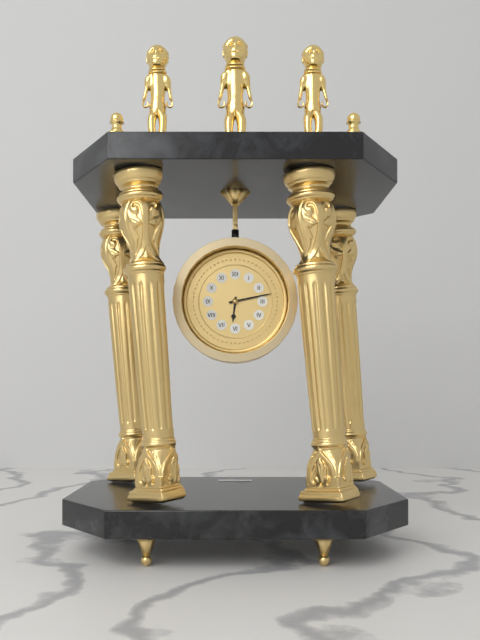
6:13
